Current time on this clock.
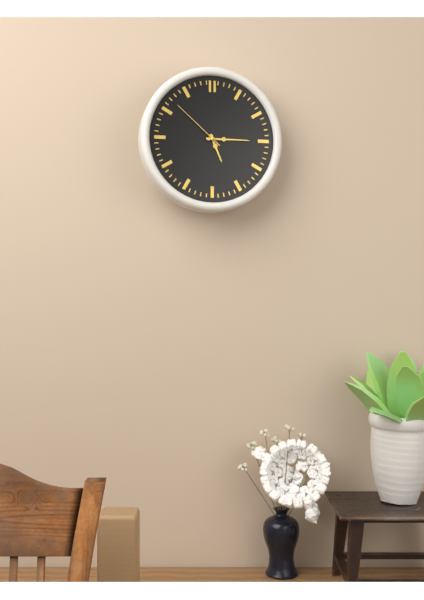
5:15:52
